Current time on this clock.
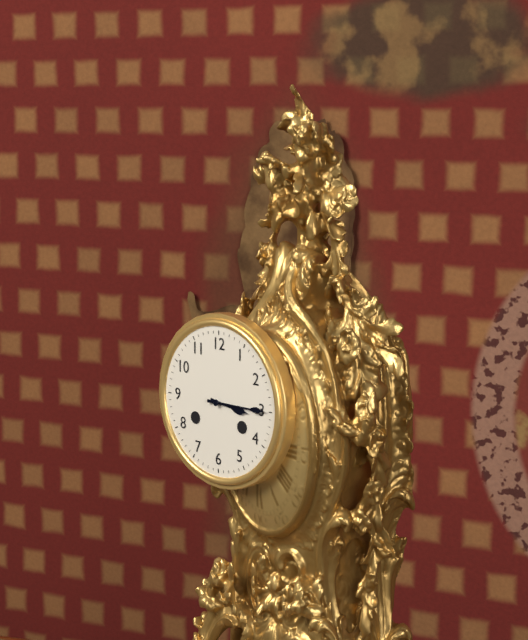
3:15
